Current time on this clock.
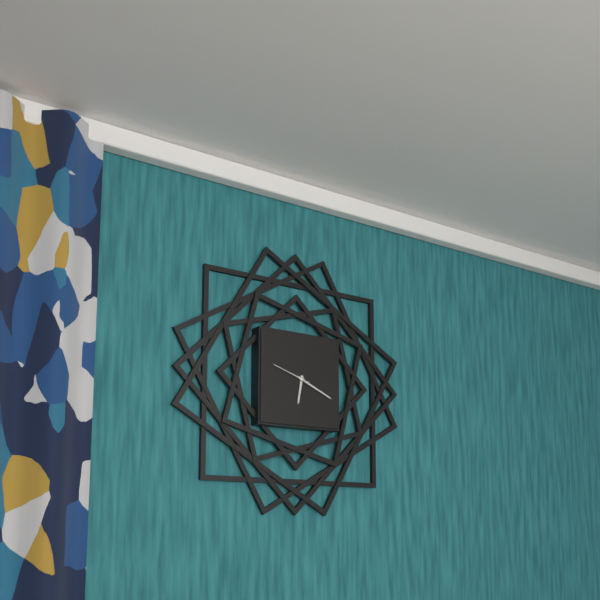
6:19
